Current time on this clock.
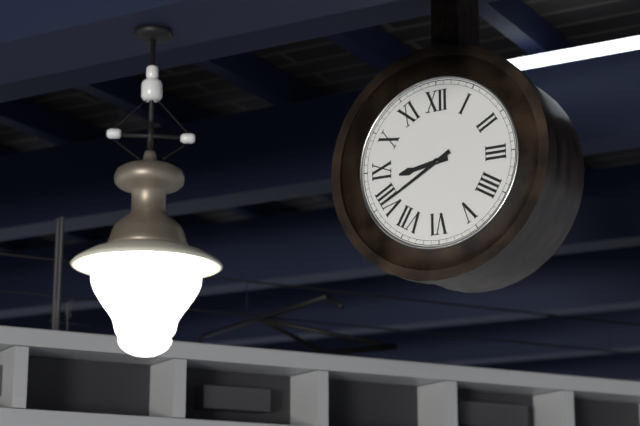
8:40
